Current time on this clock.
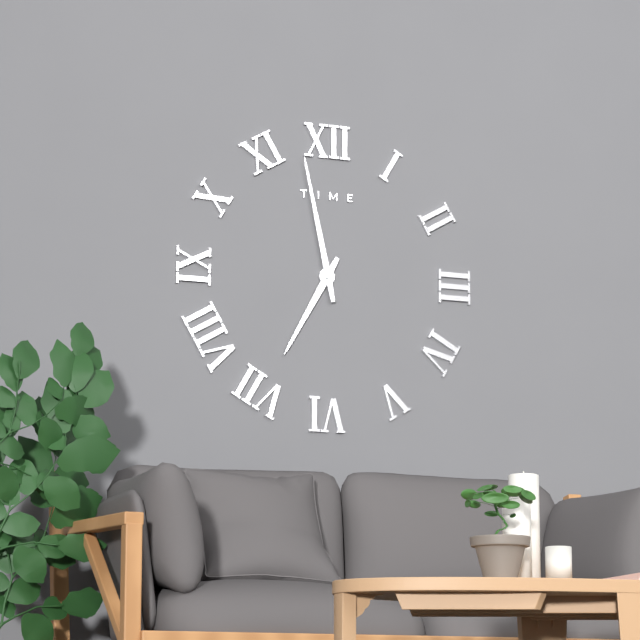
6:58
